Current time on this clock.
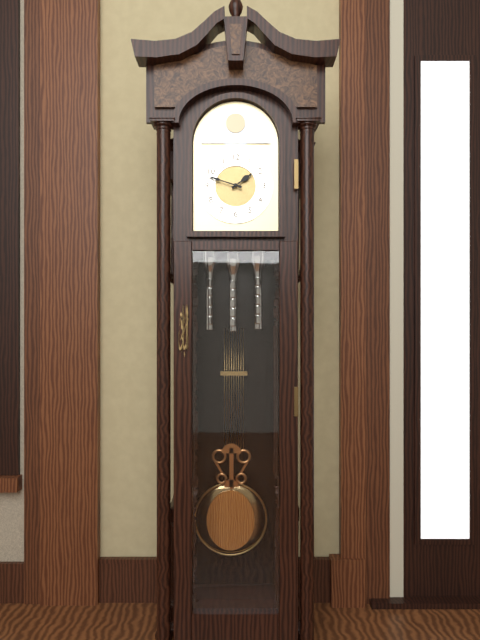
1:48
